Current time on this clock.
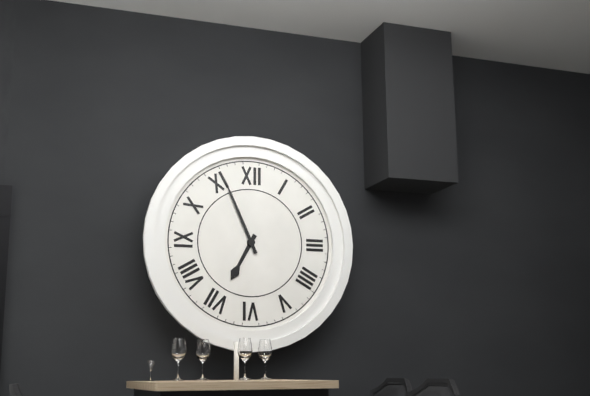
6:56
